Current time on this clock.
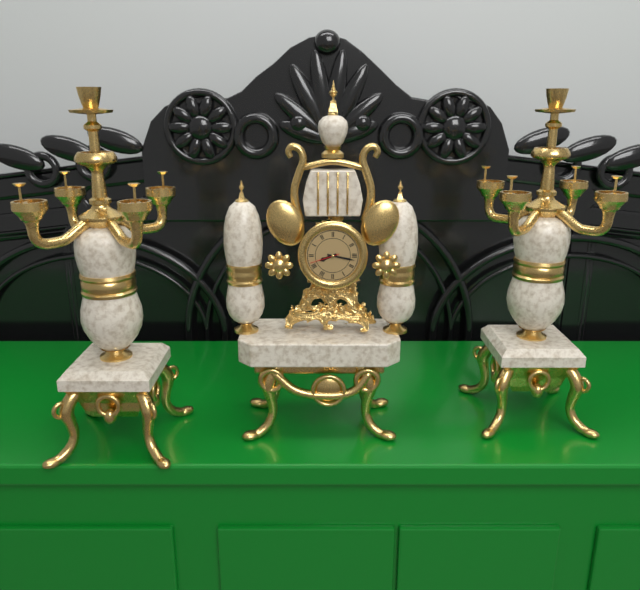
8:17
